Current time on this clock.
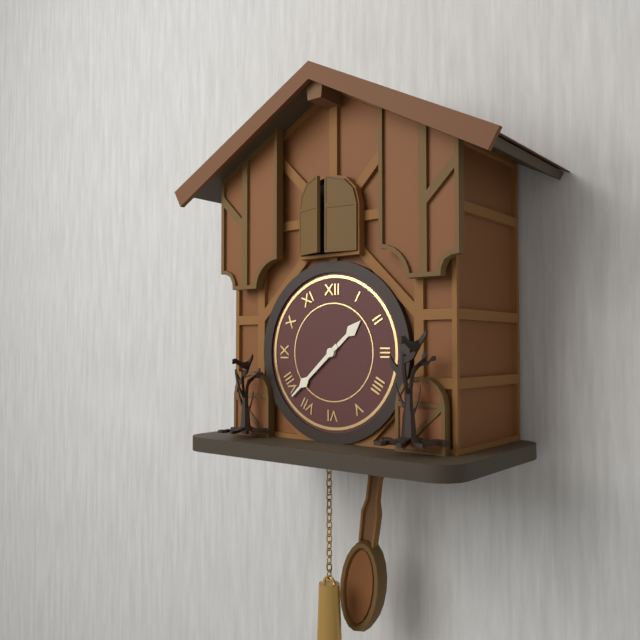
1:38
